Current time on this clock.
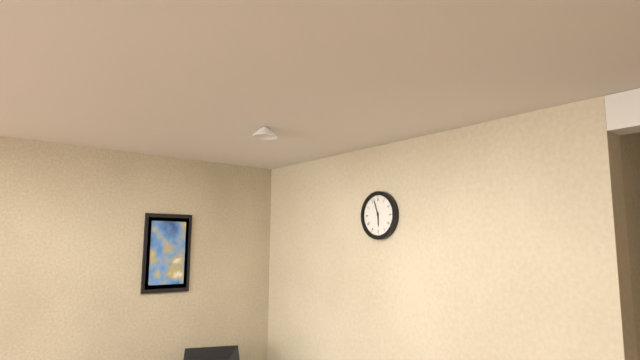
5:57
